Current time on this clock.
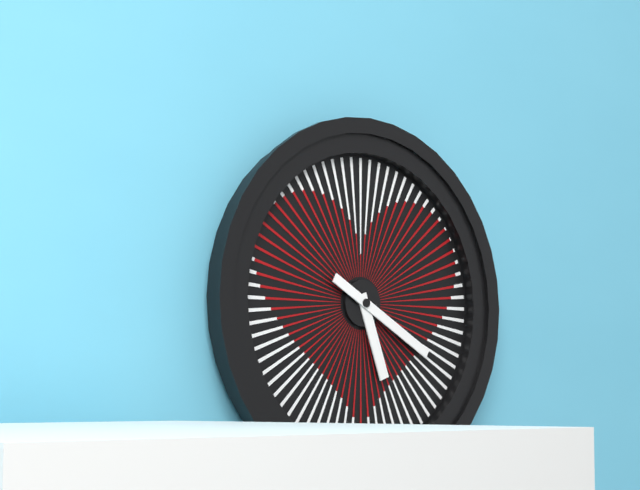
5:20
